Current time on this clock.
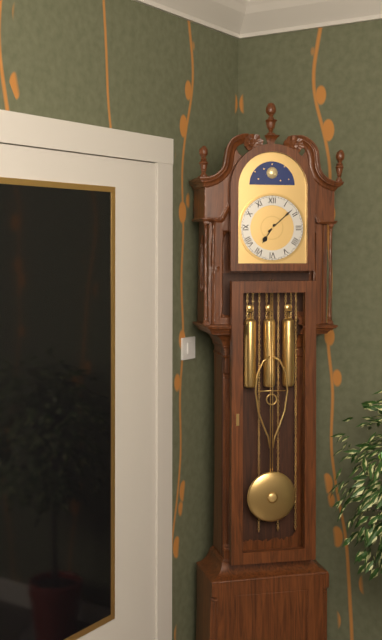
7:08
